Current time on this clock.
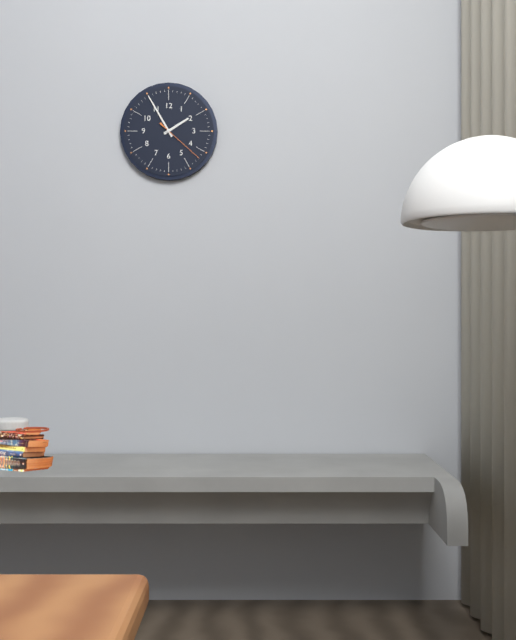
1:55:22
